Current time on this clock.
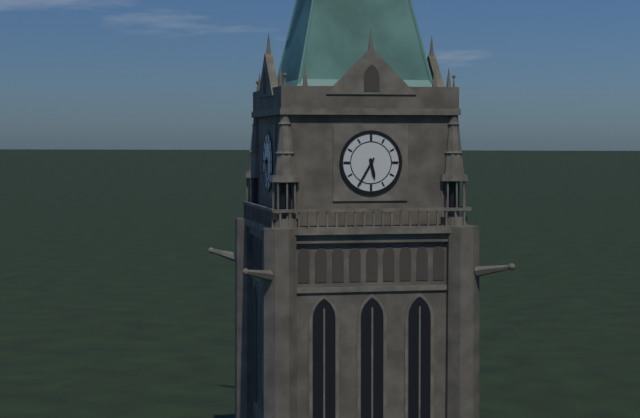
5:35
